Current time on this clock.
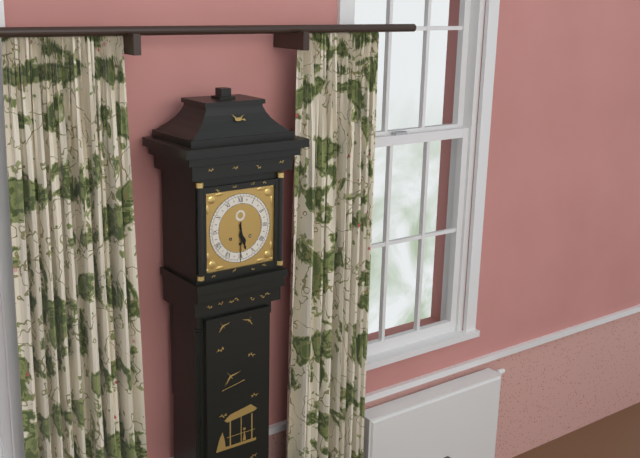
5:30
